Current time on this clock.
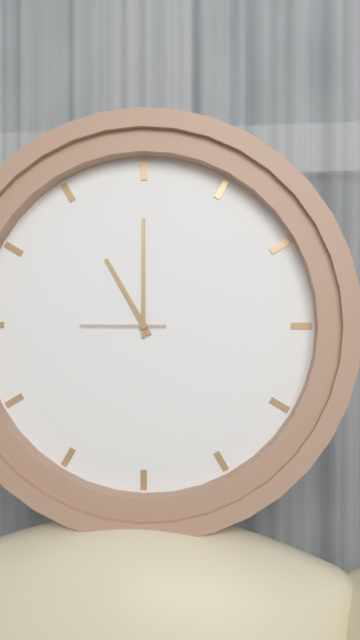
11:00:45
